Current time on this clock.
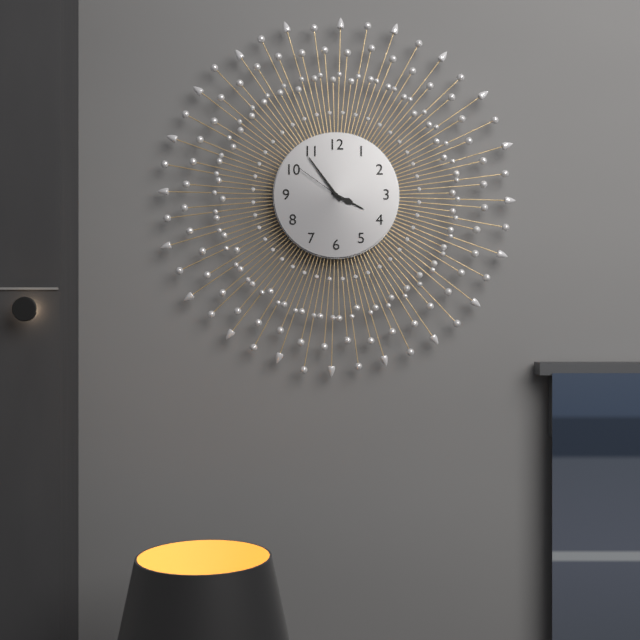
3:54:51
